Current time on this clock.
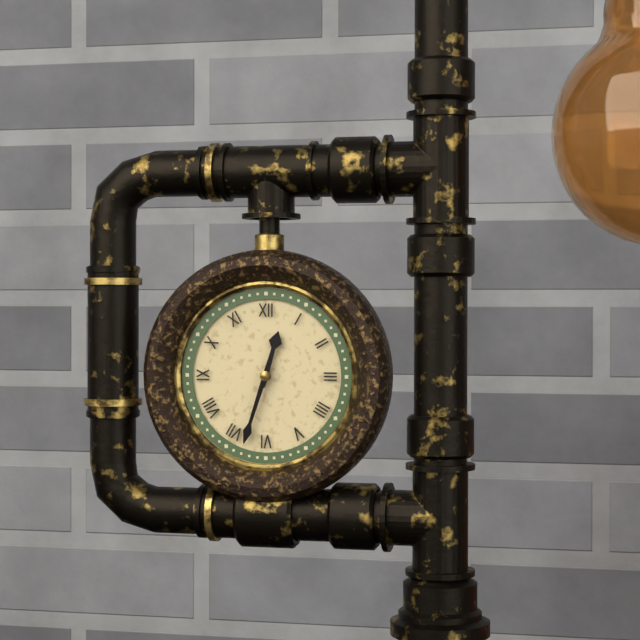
12:33
